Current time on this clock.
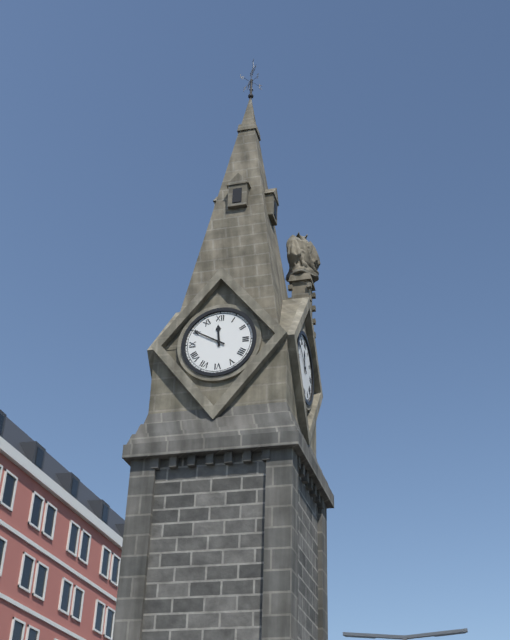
11:50
